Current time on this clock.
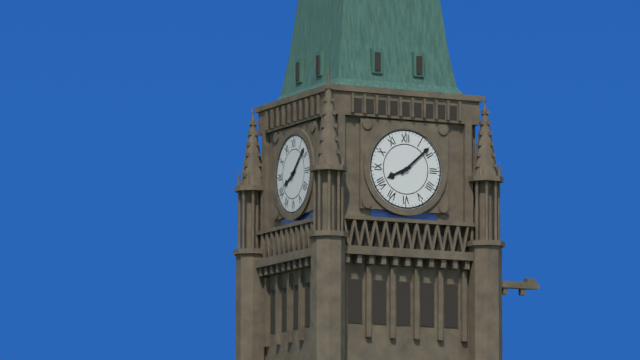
8:08
